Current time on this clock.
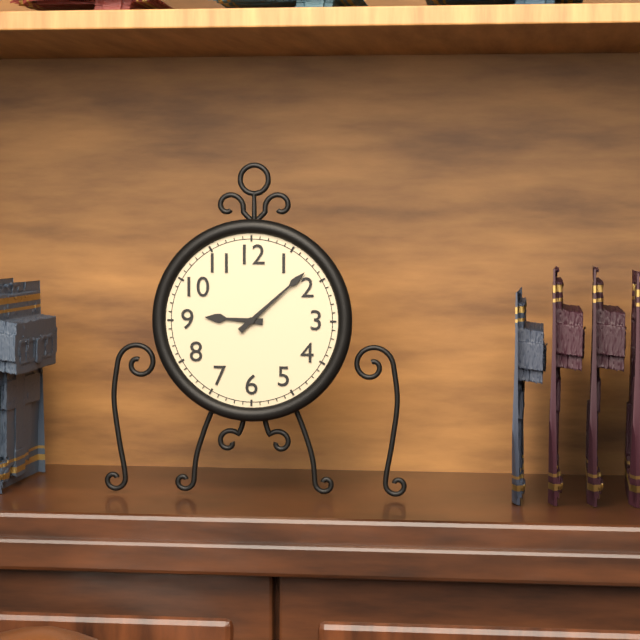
9:08
